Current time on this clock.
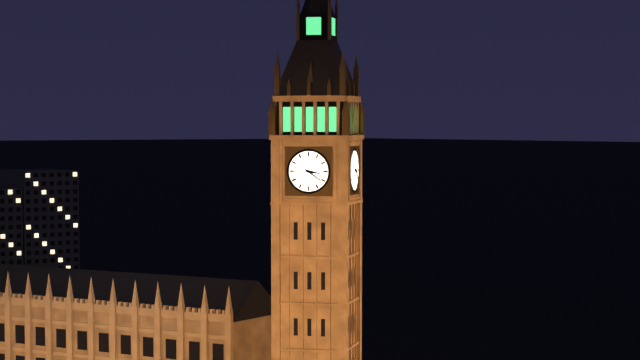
3:21
